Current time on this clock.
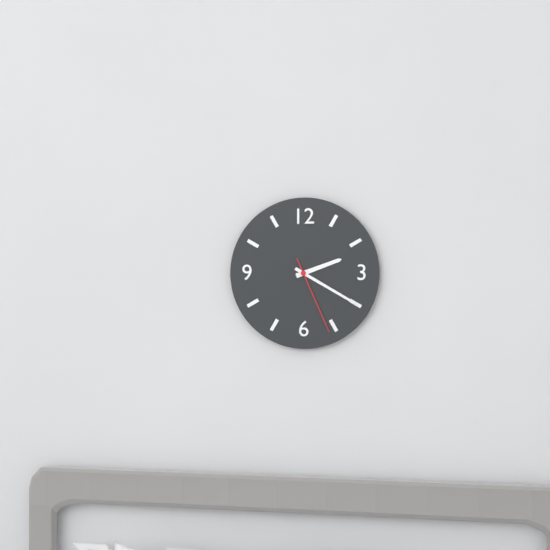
2:20:26
